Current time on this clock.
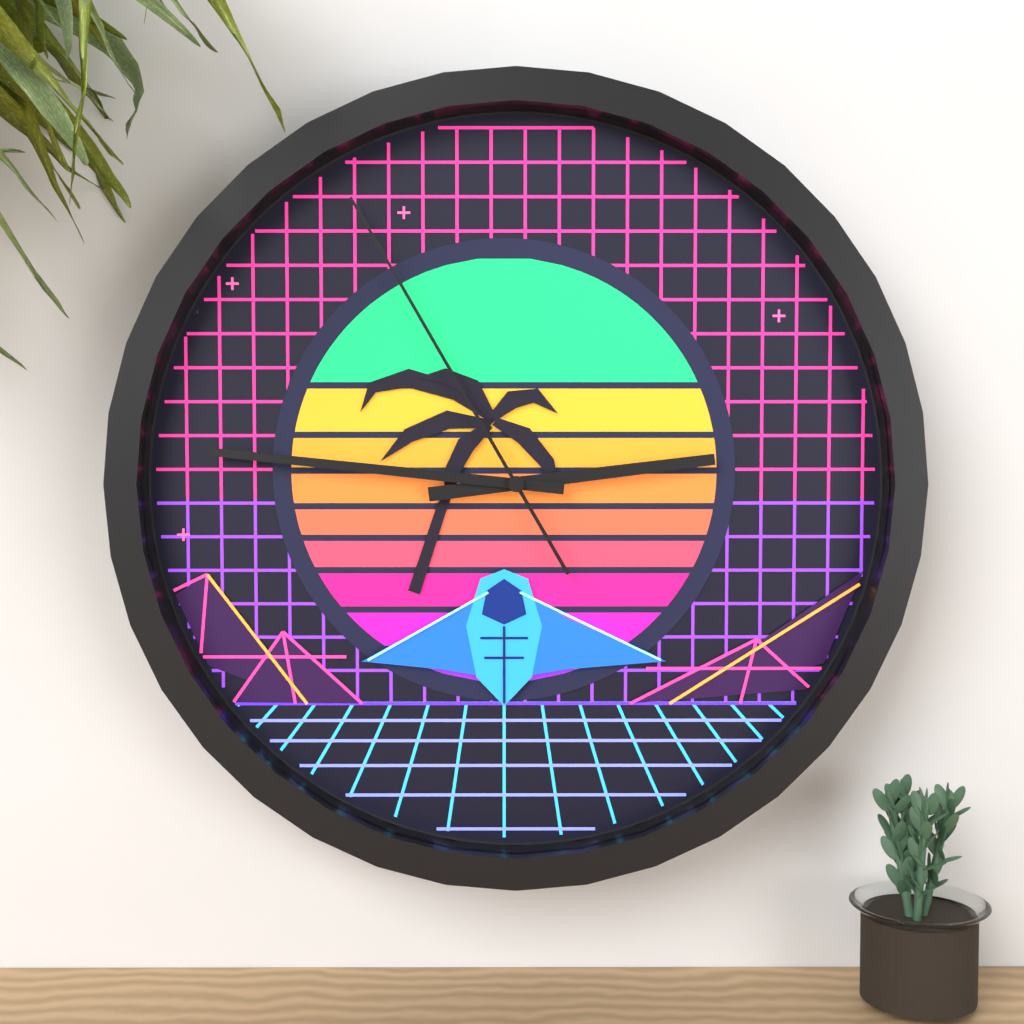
2:46:55
